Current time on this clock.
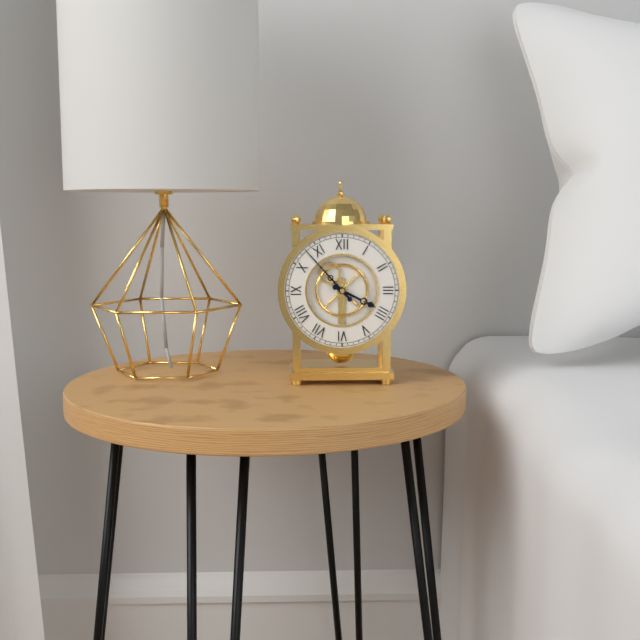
3:53
